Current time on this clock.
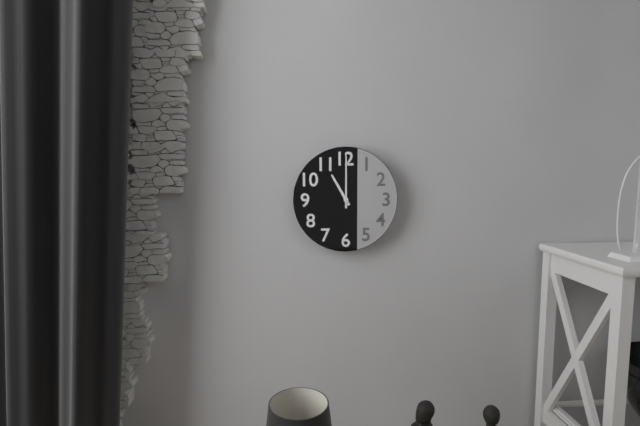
11:00
